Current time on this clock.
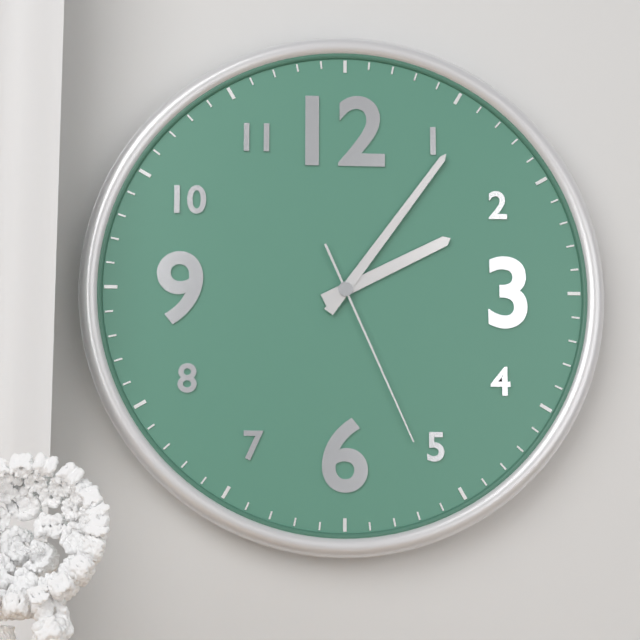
2:06:26
